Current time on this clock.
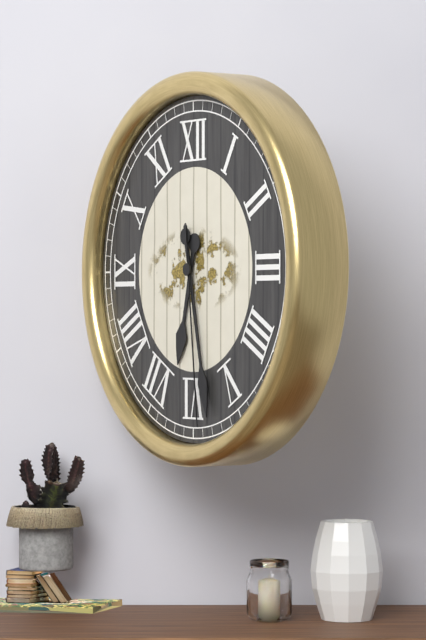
6:28:29
